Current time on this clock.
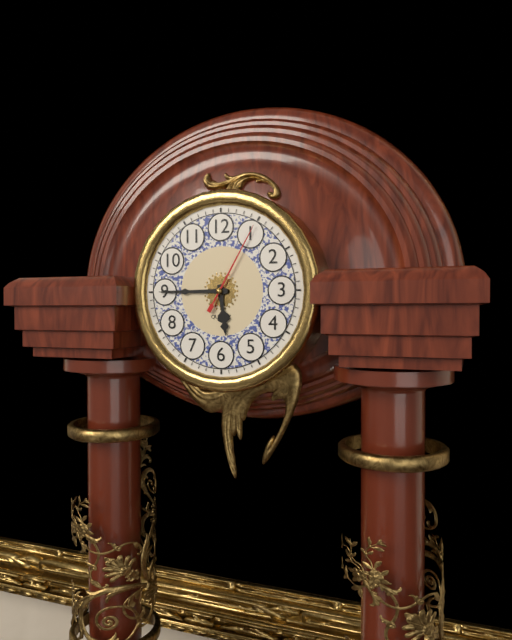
5:45:05
